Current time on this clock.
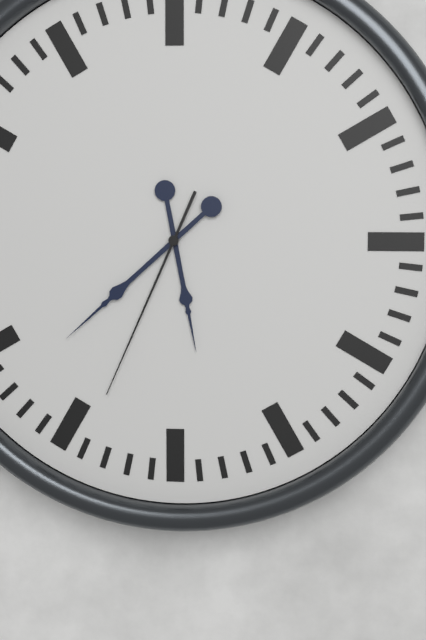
5:38:34
